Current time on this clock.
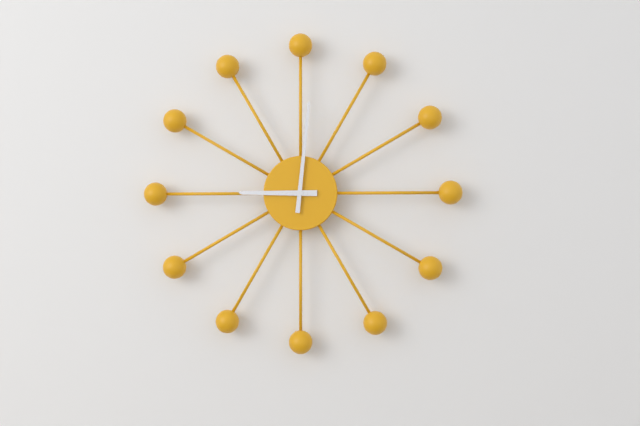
9:01
